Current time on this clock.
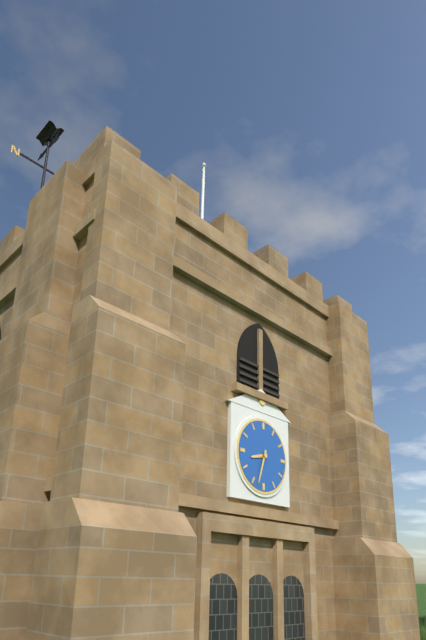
8:33
